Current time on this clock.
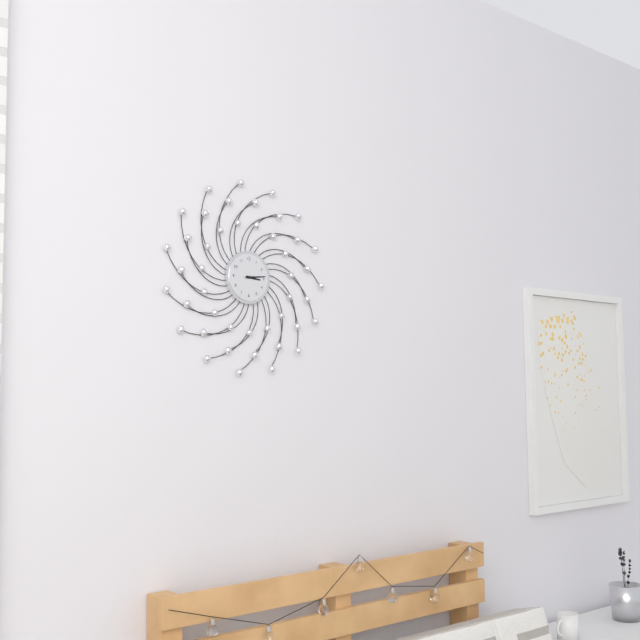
3:14
